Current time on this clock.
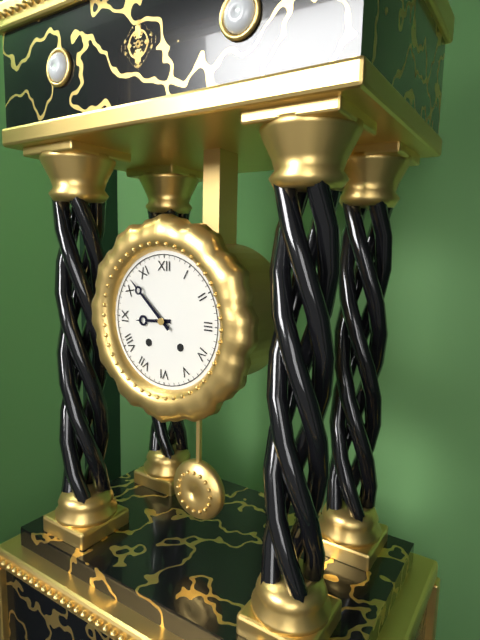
8:52
